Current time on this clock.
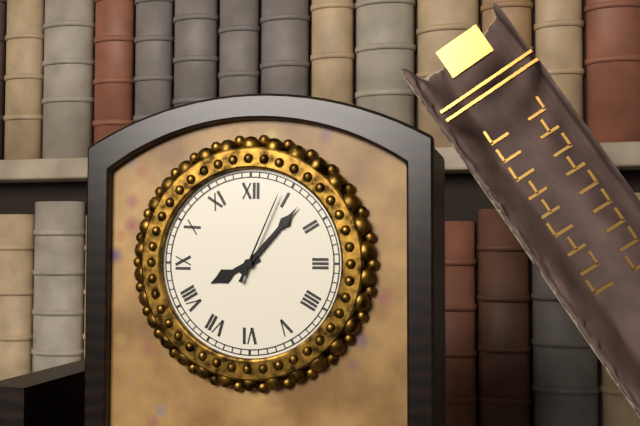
8:07:04
